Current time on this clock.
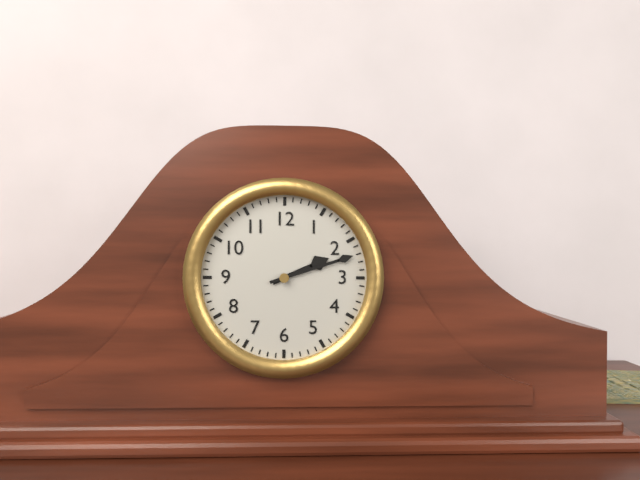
2:12
